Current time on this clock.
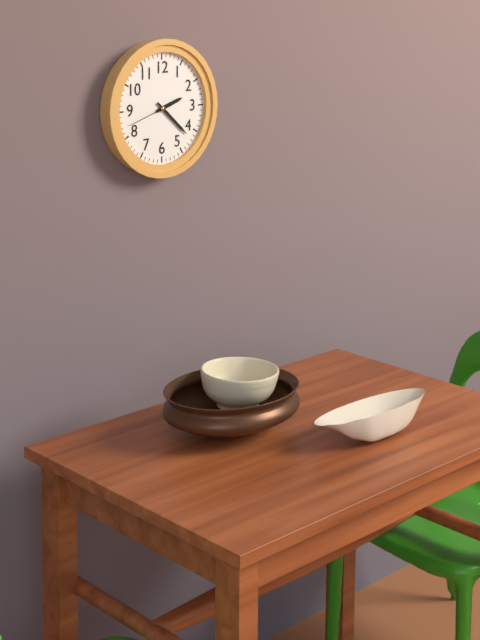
2:22
